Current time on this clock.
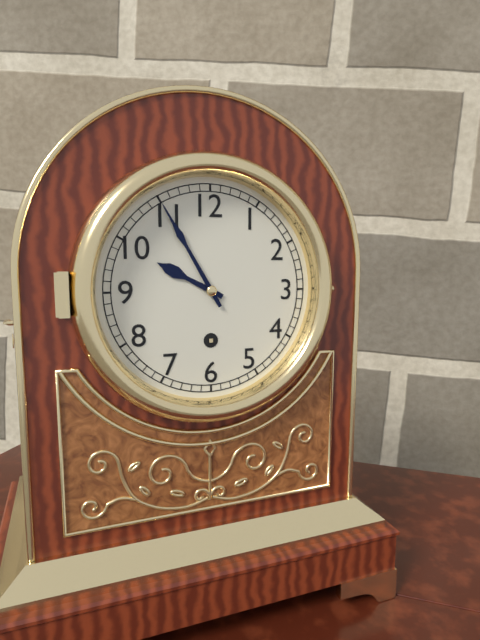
9:55
